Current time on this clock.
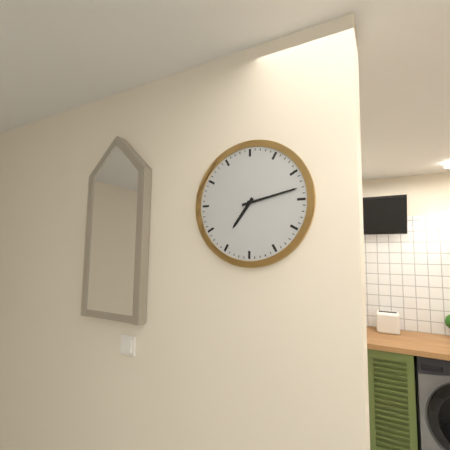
7:13
